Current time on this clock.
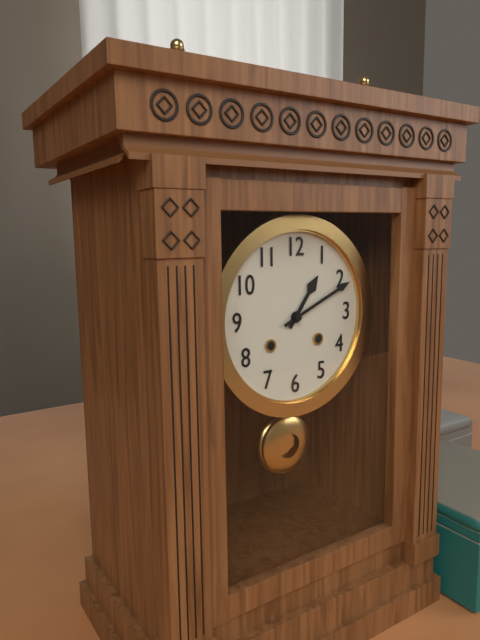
1:11
